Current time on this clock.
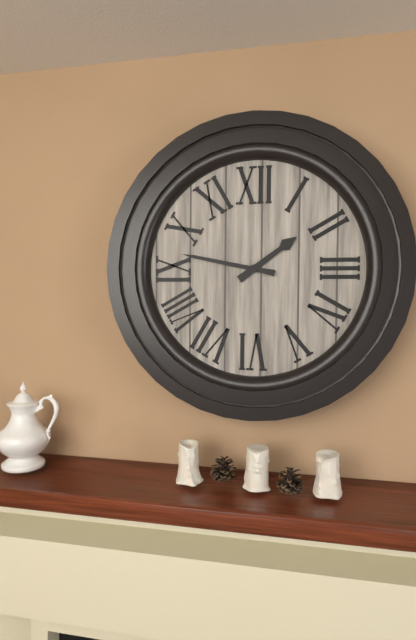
1:47
